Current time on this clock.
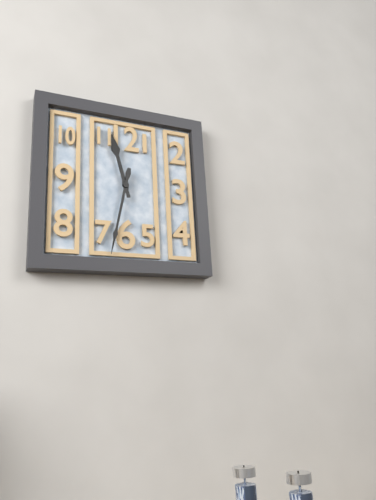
11:32
